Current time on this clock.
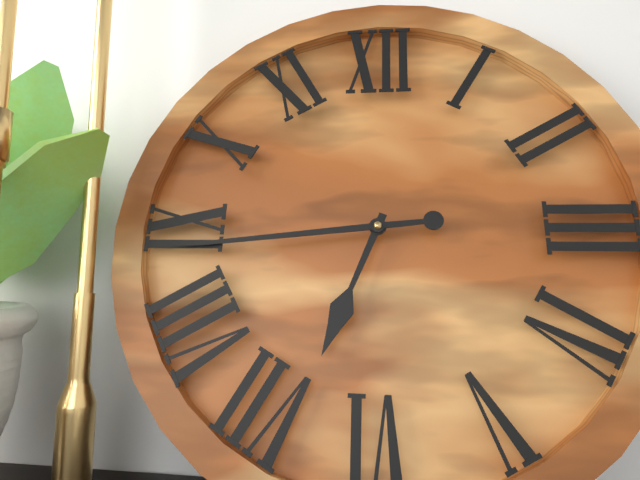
6:44
